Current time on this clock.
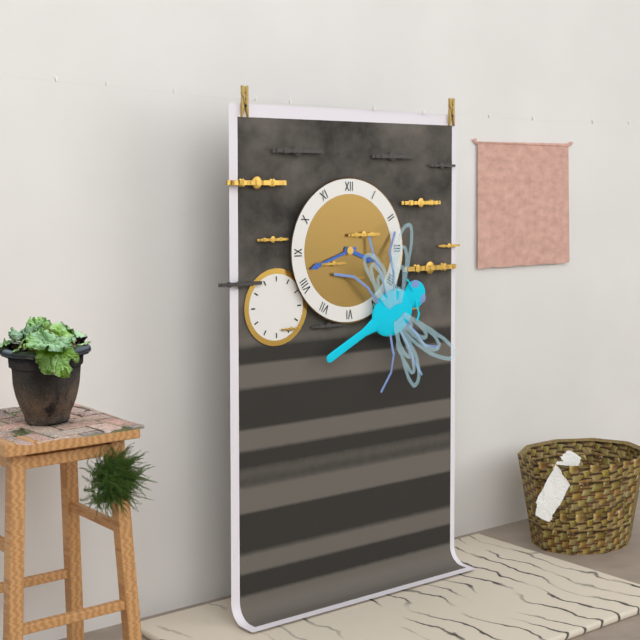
3:42
